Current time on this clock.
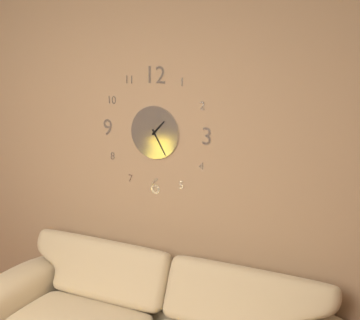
1:25
